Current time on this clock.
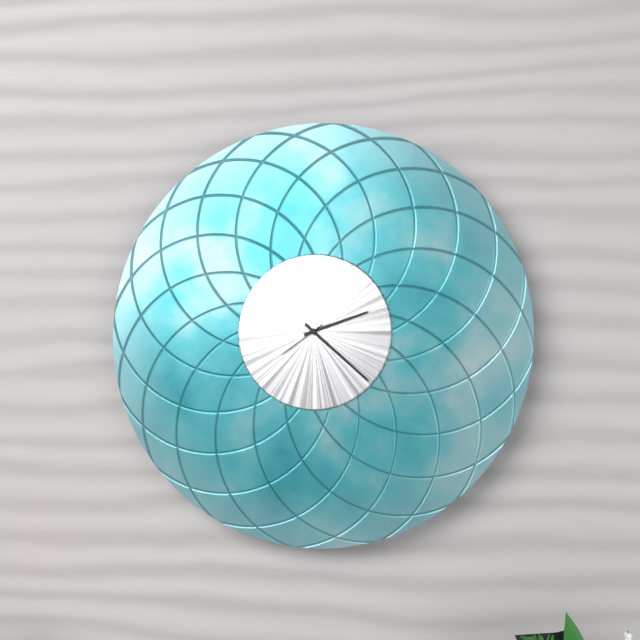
2:22
